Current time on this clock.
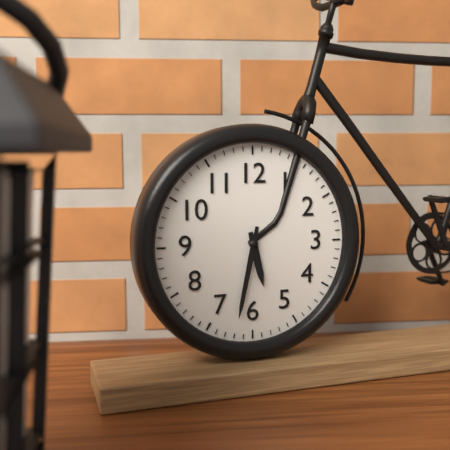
5:32
